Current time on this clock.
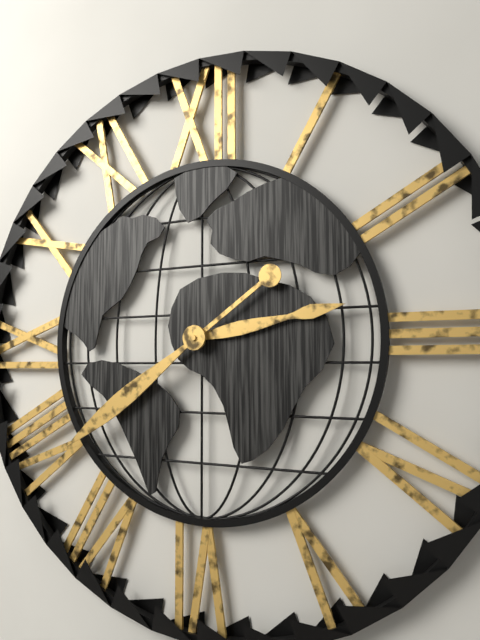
2:39
